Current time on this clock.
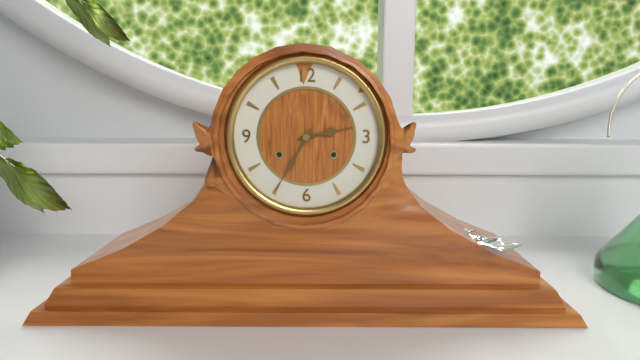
2:35
